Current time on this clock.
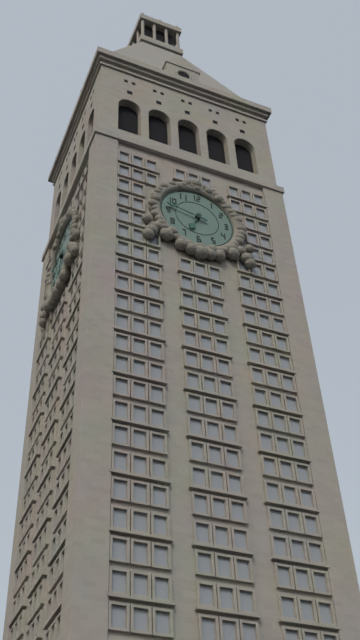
6:47
